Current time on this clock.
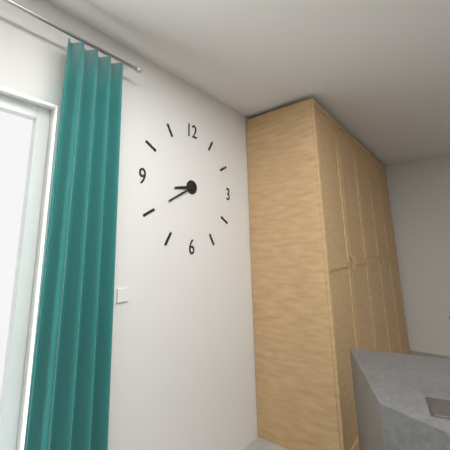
8:40
